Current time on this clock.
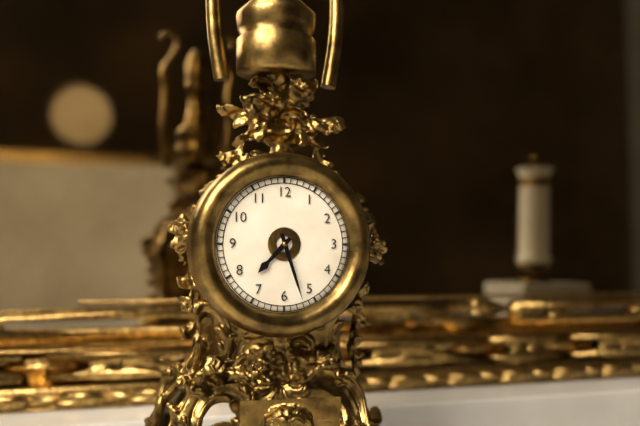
7:27
